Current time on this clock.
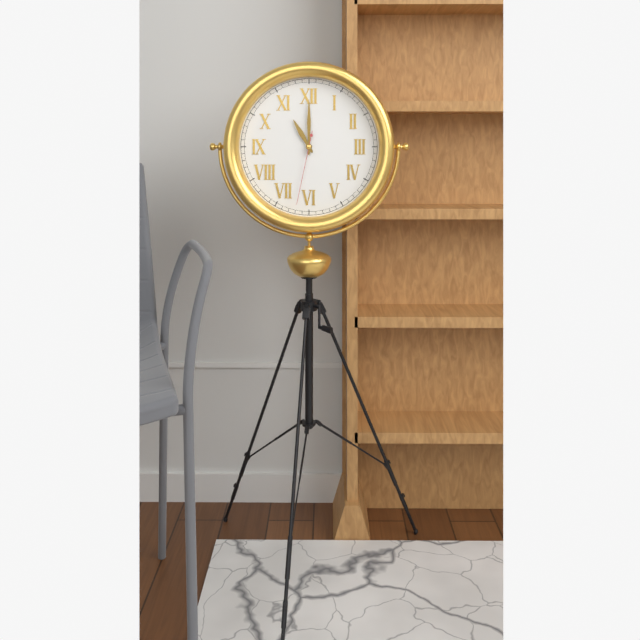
11:00:32
